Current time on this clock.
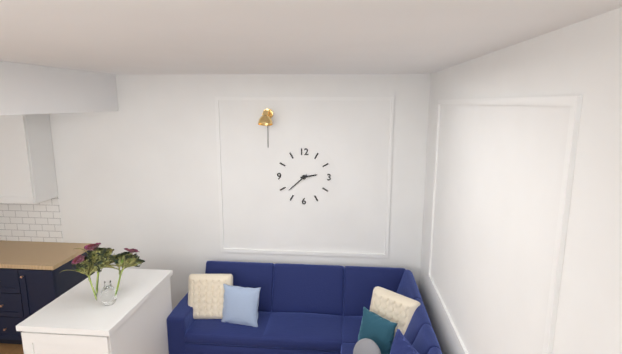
2:38
